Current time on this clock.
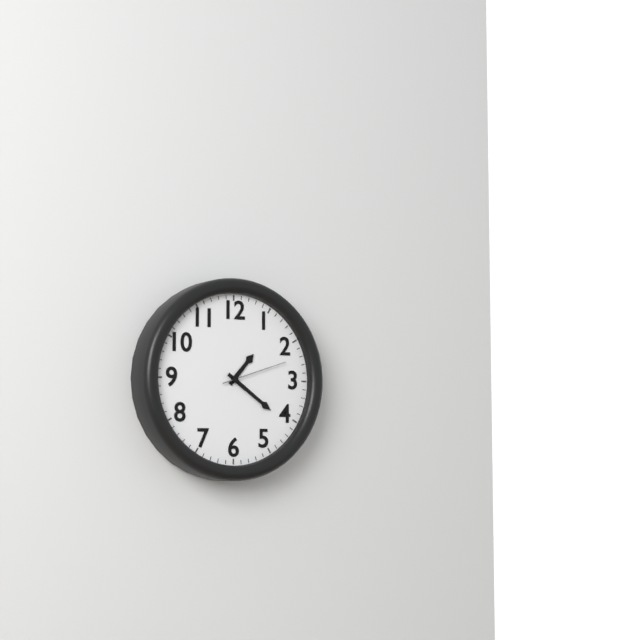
1:21:12
